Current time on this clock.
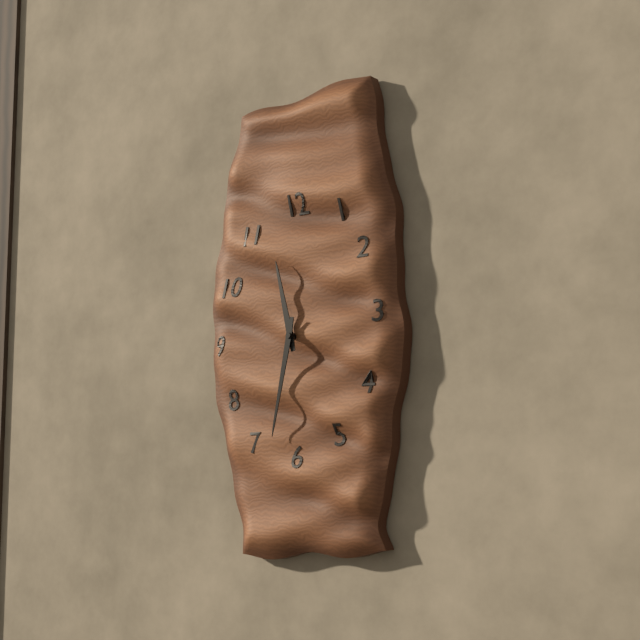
11:32
